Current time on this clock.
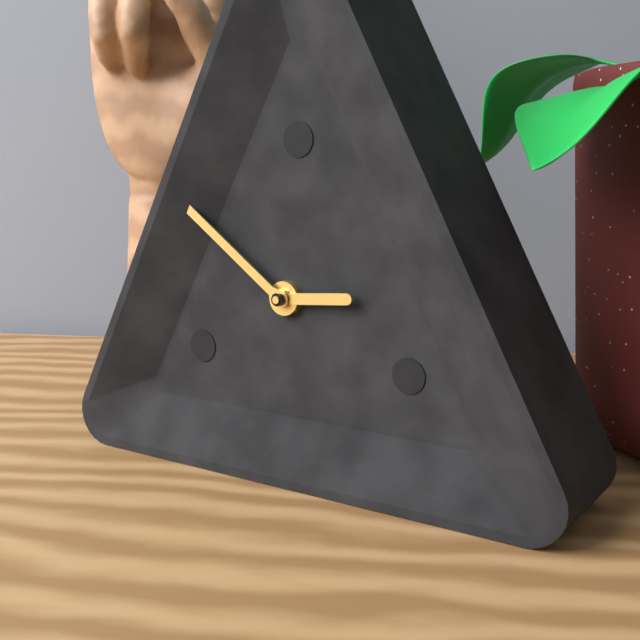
2:51
